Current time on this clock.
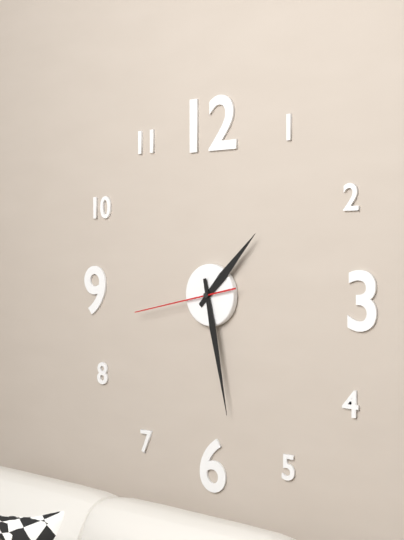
1:28:43
